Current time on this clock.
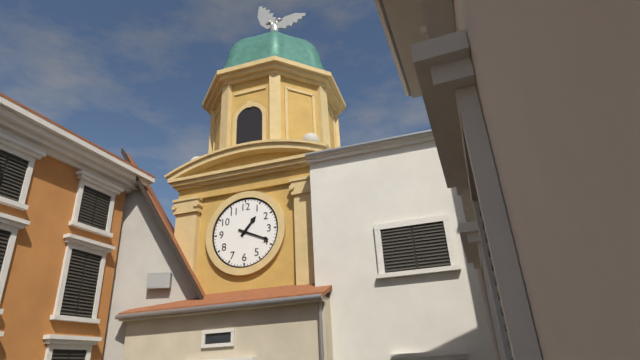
1:19
